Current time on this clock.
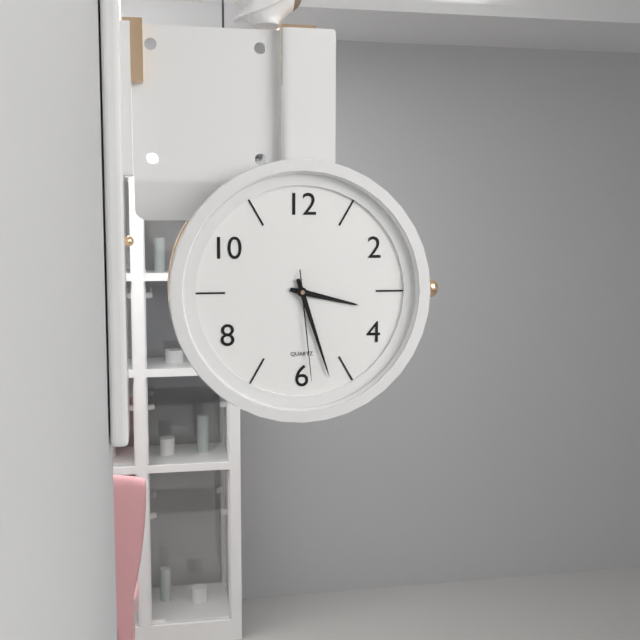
3:27:29
